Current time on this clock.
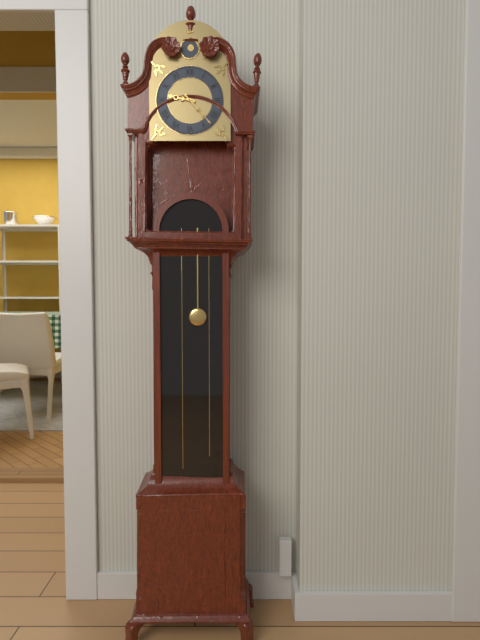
9:23
